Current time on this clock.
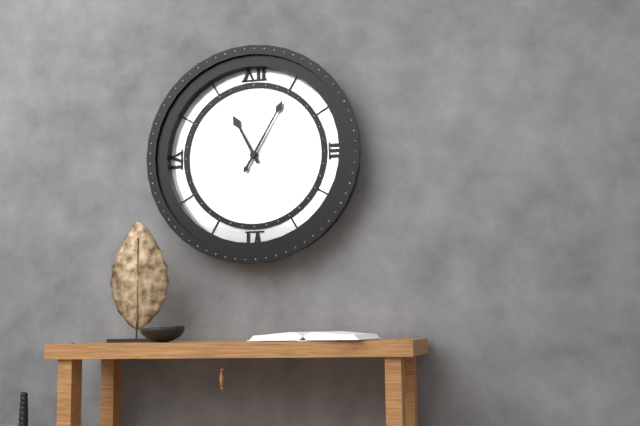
11:05
